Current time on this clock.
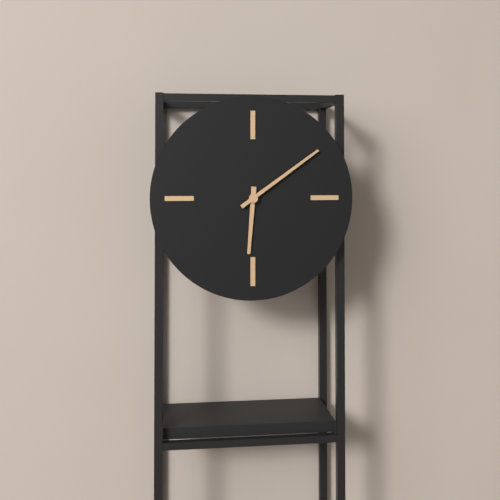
6:09
